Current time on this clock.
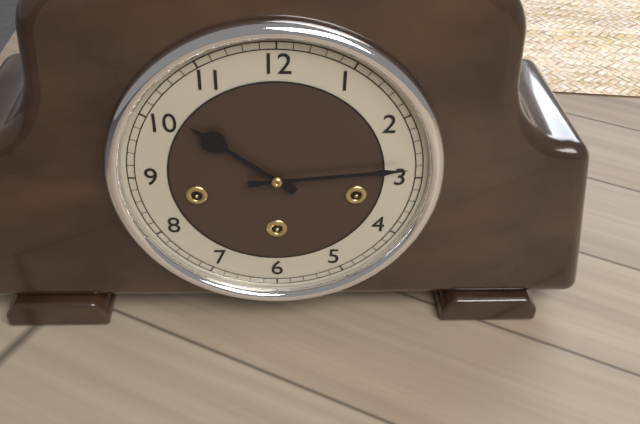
10:14
